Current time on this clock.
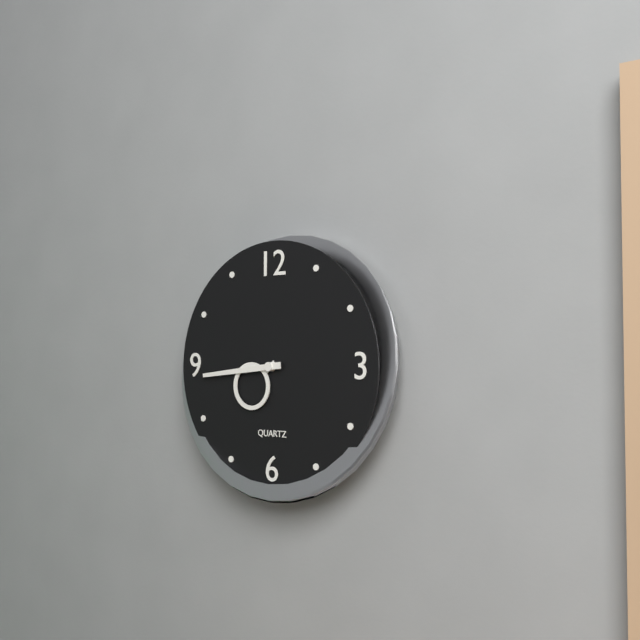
7:44
